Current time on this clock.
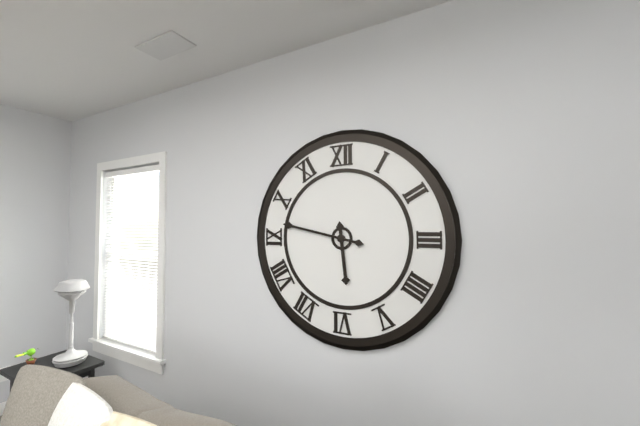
5:47
